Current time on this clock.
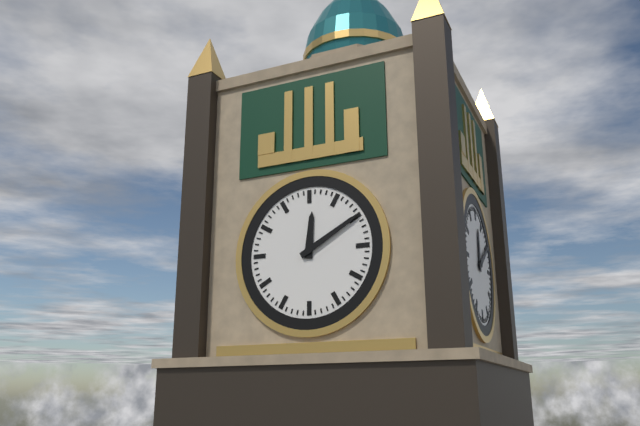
12:10
